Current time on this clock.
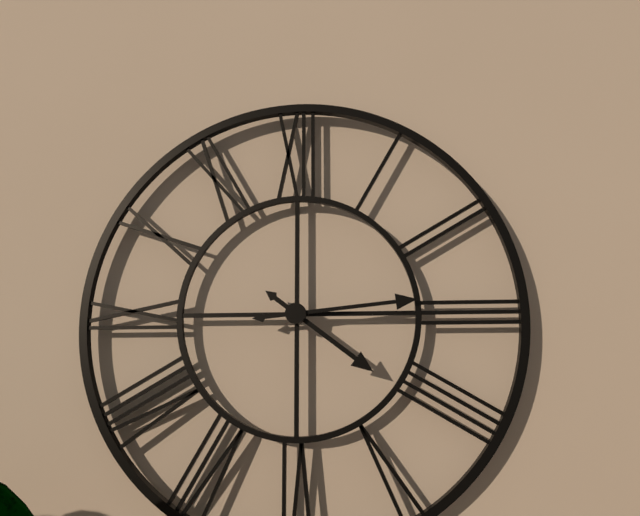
4:14
